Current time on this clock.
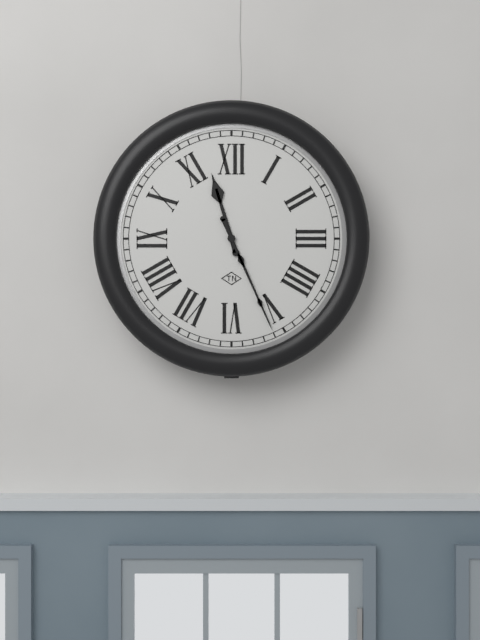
11:26
